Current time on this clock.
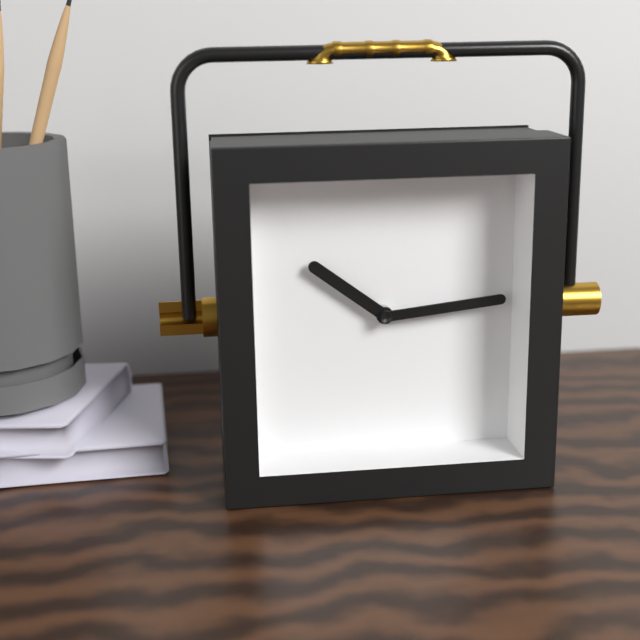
10:14
